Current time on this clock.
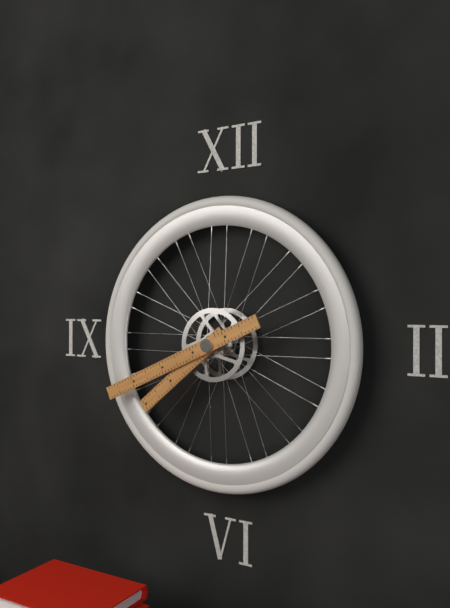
7:41
